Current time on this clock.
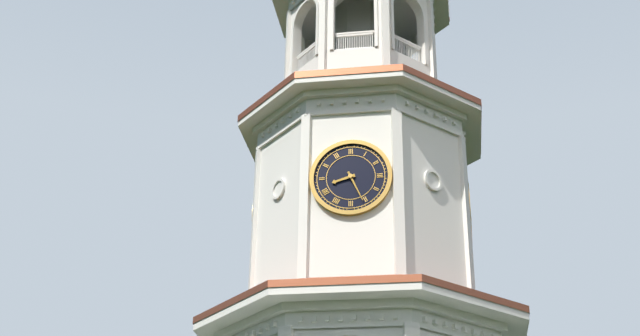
8:26
